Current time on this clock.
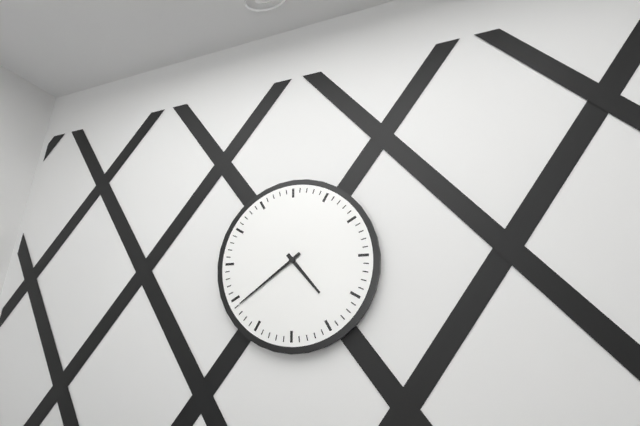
4:39
